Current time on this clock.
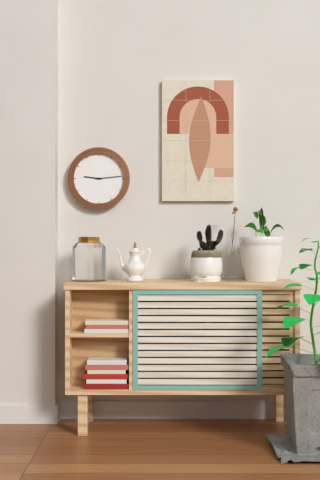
9:14
